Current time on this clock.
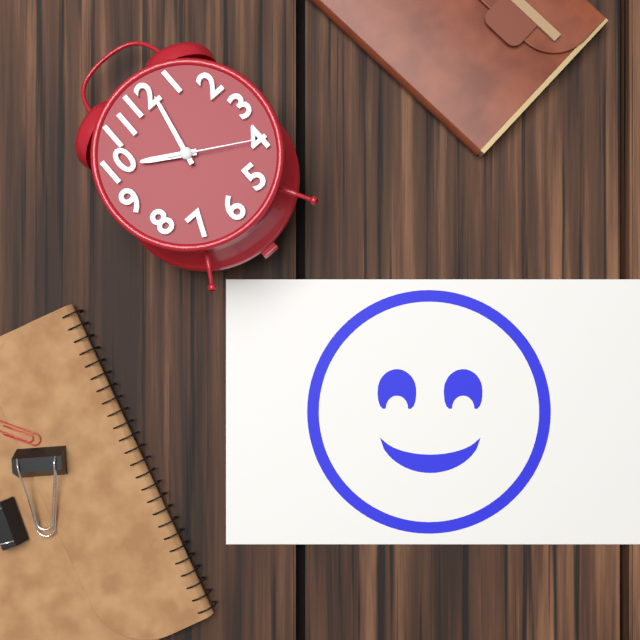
10:02:20
